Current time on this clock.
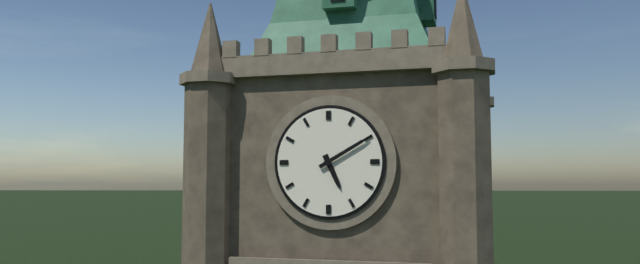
5:10
